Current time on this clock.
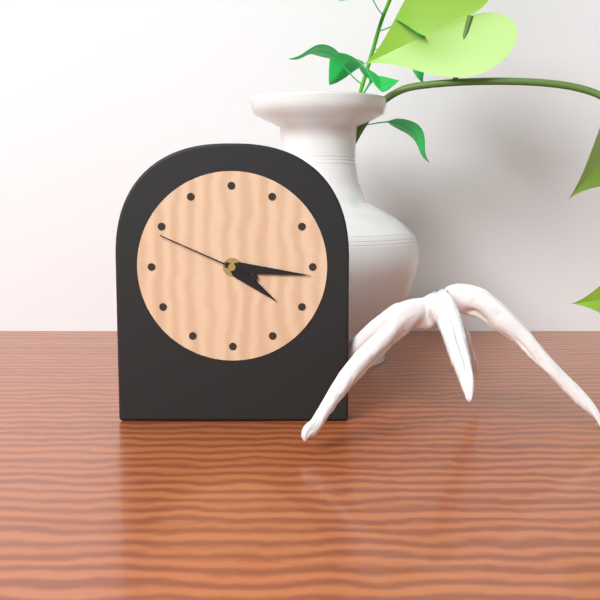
4:16:49
